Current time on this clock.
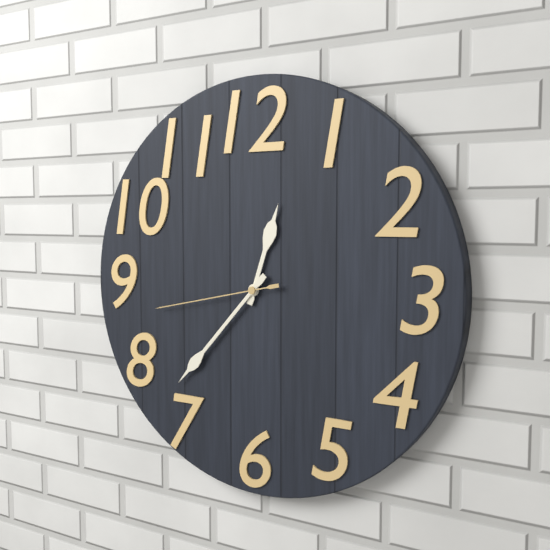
12:37:43
